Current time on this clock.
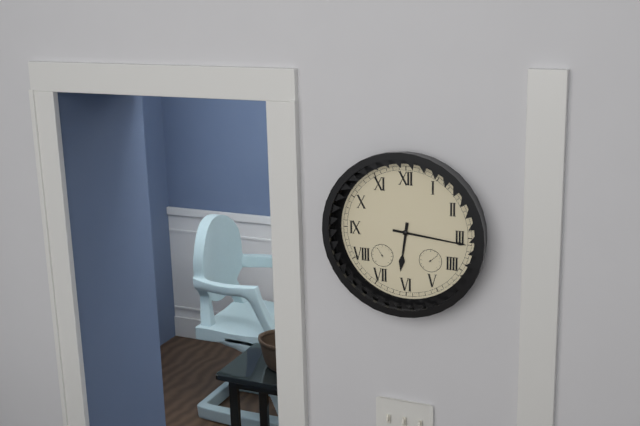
6:16
